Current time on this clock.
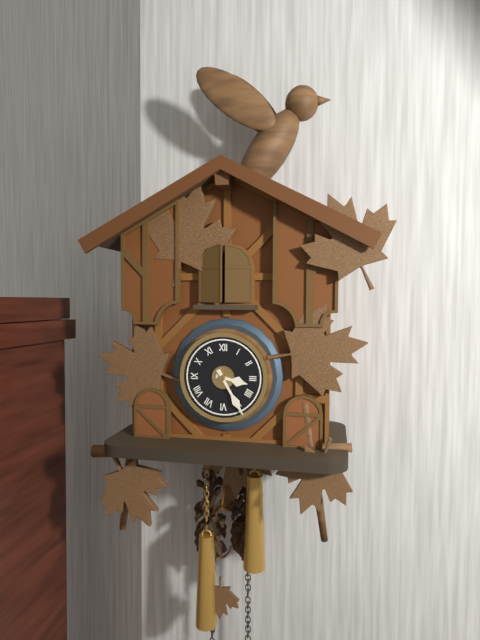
3:25
